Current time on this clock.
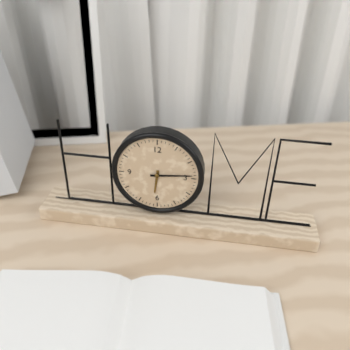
6:14
